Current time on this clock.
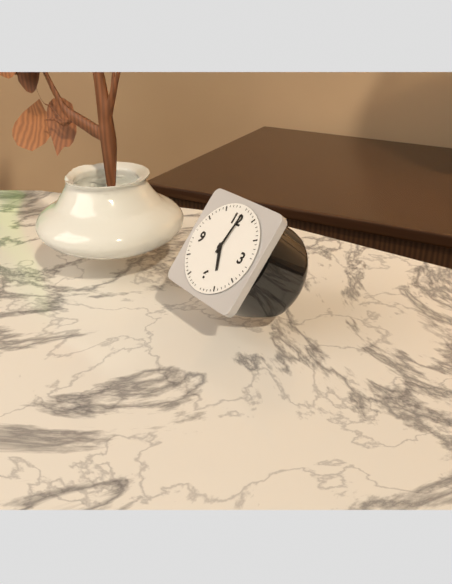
5:01
